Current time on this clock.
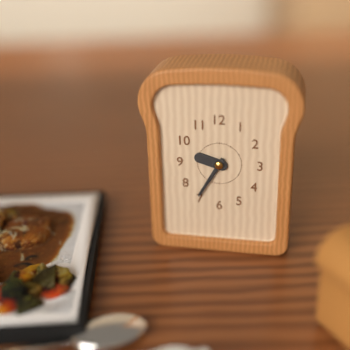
9:35
